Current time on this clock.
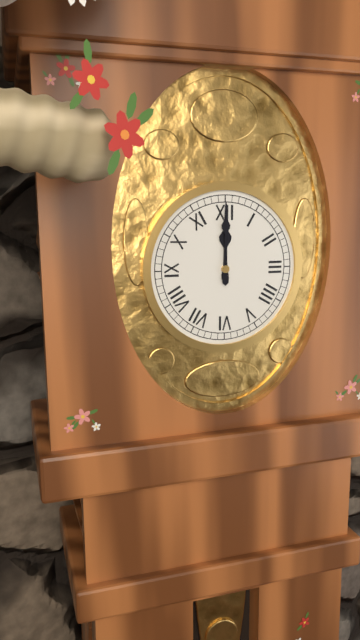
12:00
